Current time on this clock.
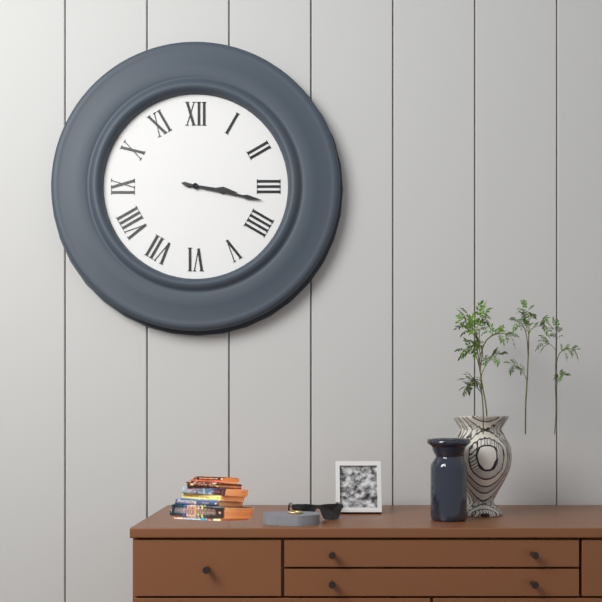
3:17
